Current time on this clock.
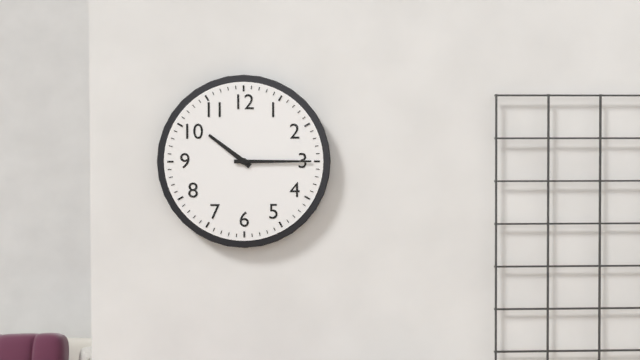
10:15
